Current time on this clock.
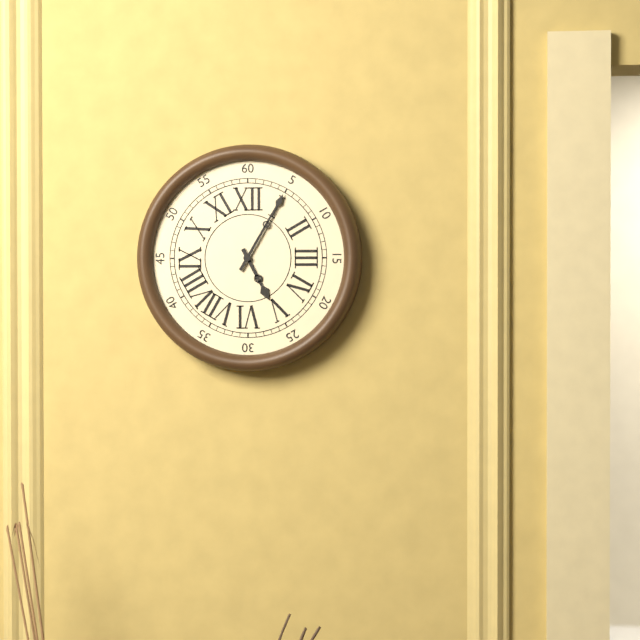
5:05
